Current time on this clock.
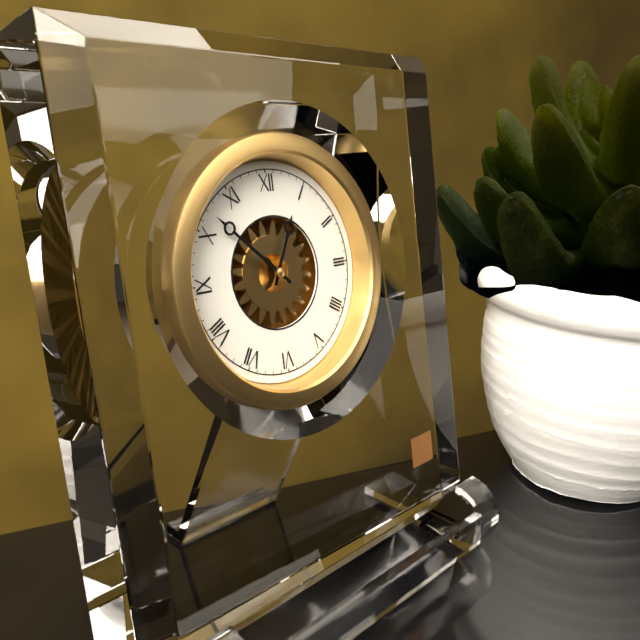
12:52
